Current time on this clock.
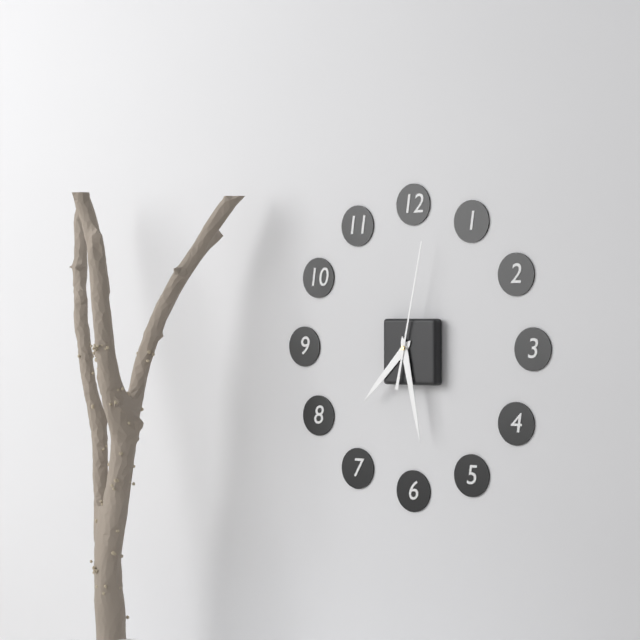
7:28:02
